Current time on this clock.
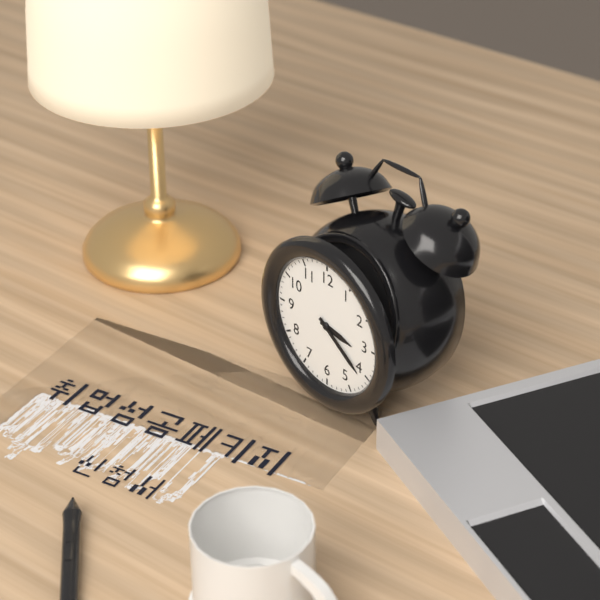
3:21
